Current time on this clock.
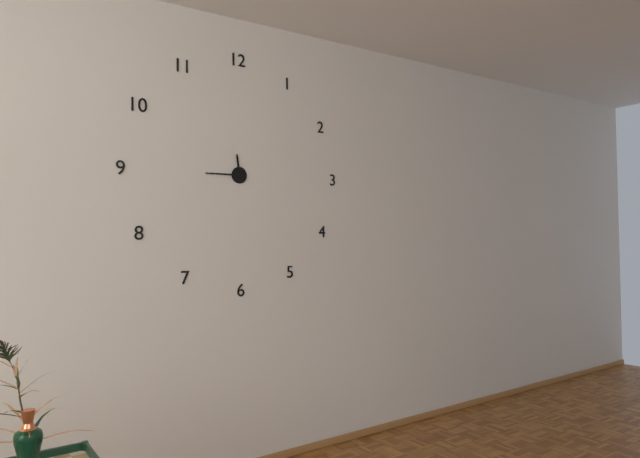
11:45
